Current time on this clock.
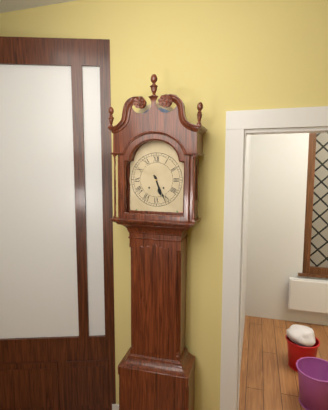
5:26
